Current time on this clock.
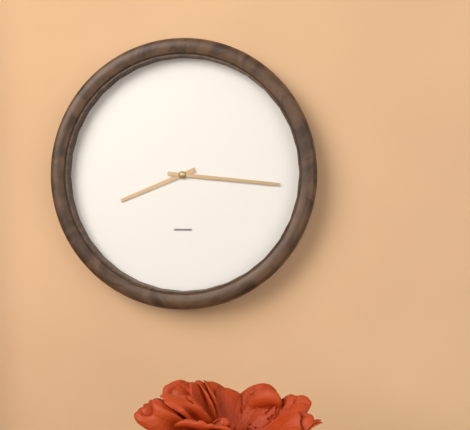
8:16
